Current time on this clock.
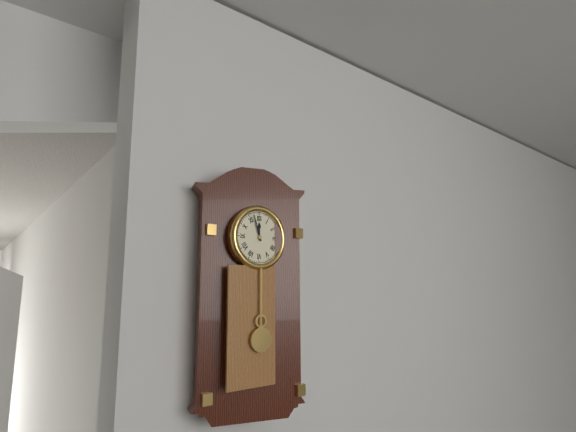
11:57
